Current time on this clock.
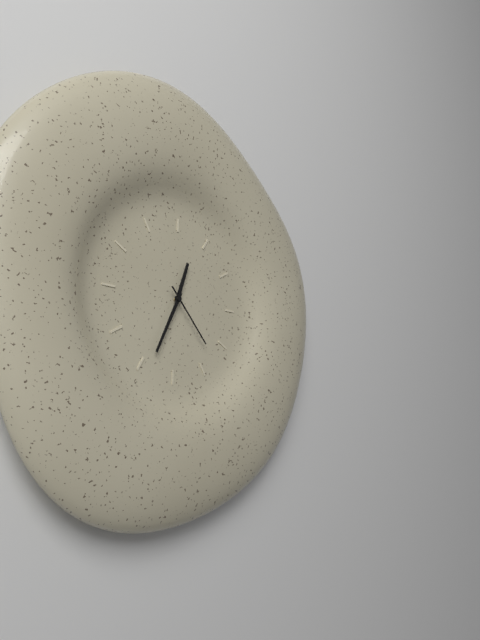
12:34:23
